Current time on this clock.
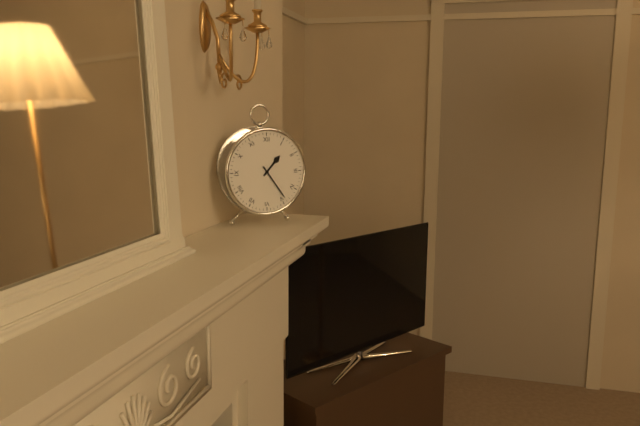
1:24
